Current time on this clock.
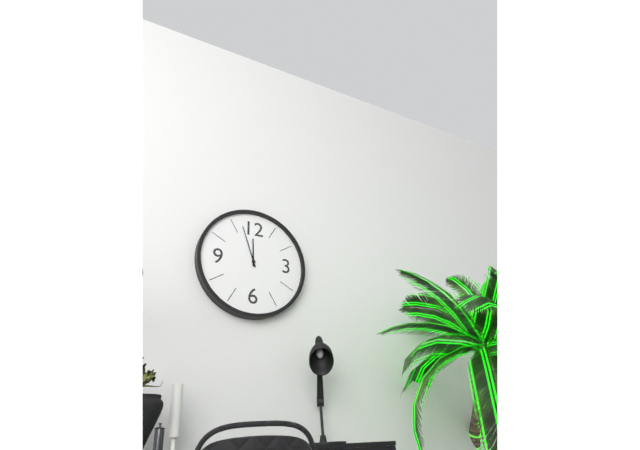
11:57
